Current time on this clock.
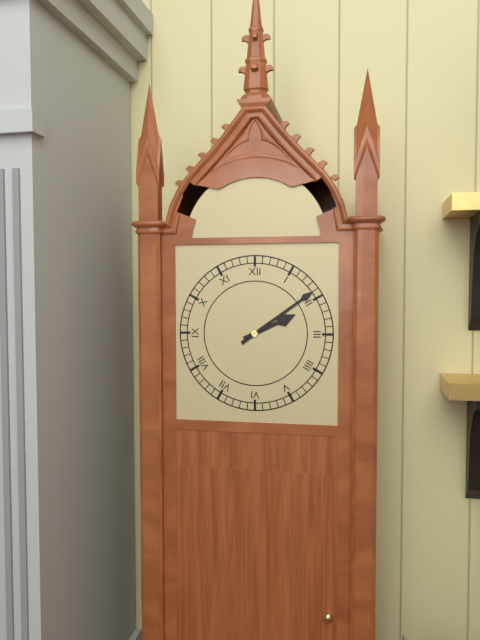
2:09
